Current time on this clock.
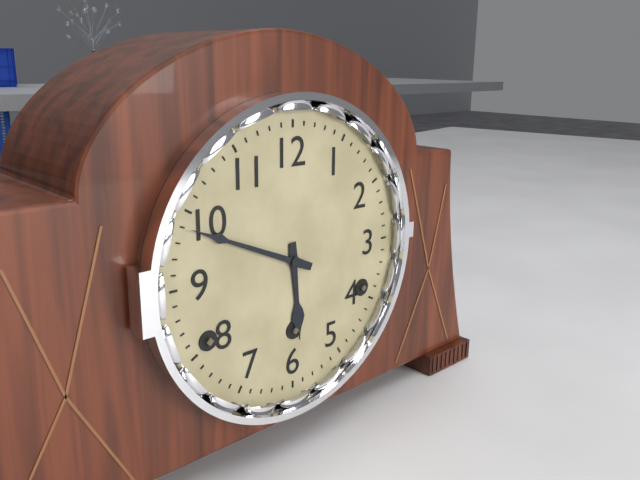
5:49
